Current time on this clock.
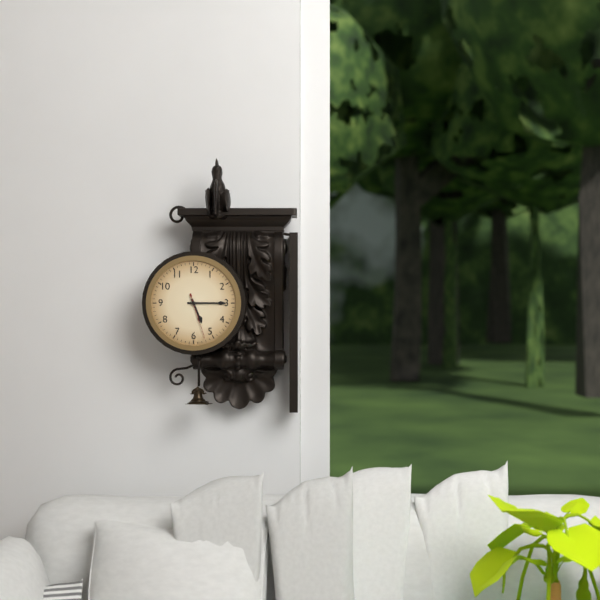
5:15
